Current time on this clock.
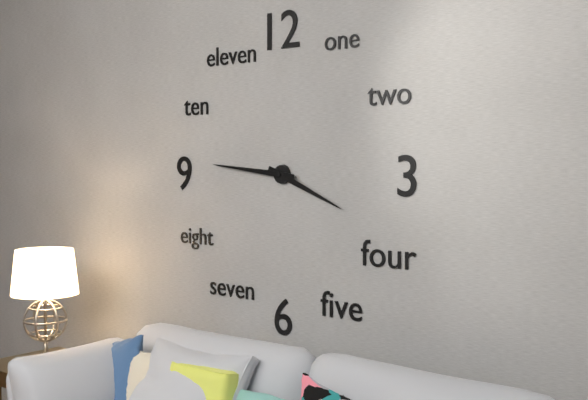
3:46
